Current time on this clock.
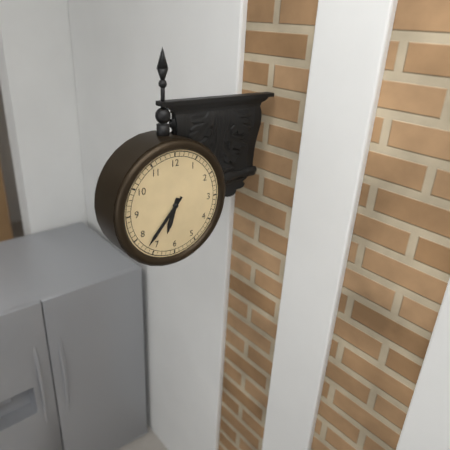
6:37
